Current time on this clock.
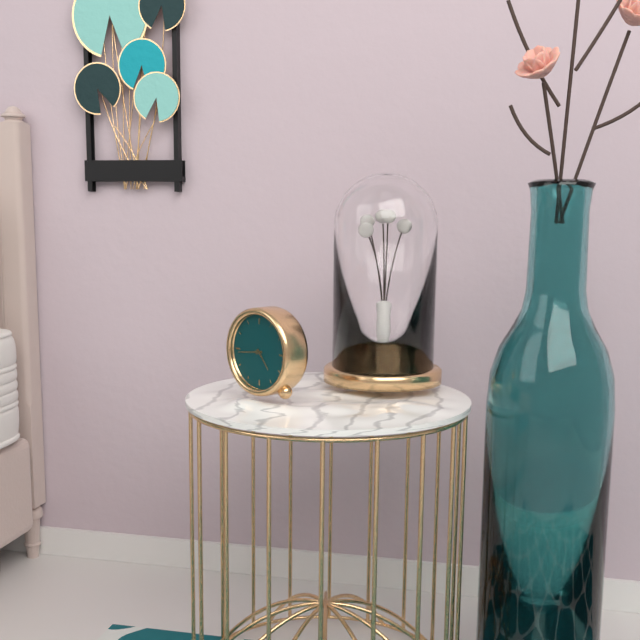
4:44
